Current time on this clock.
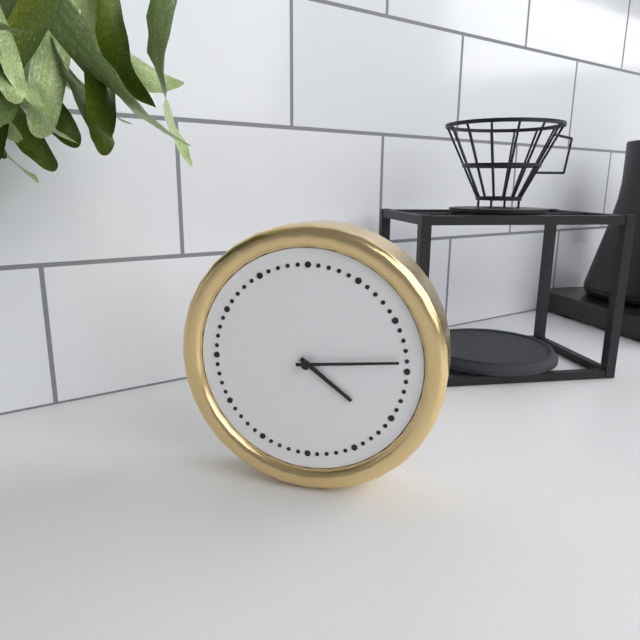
4:14
